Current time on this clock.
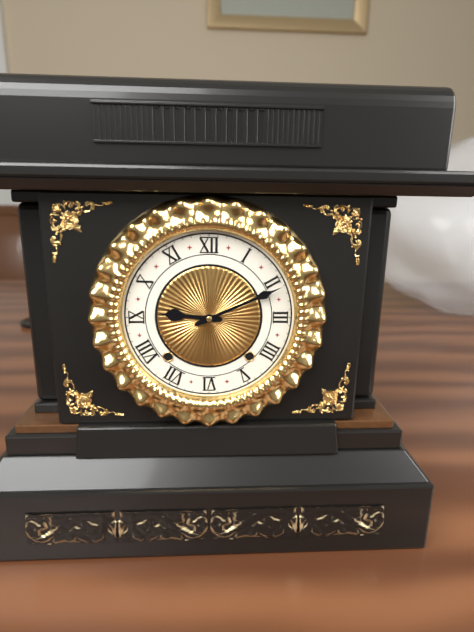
9:11
